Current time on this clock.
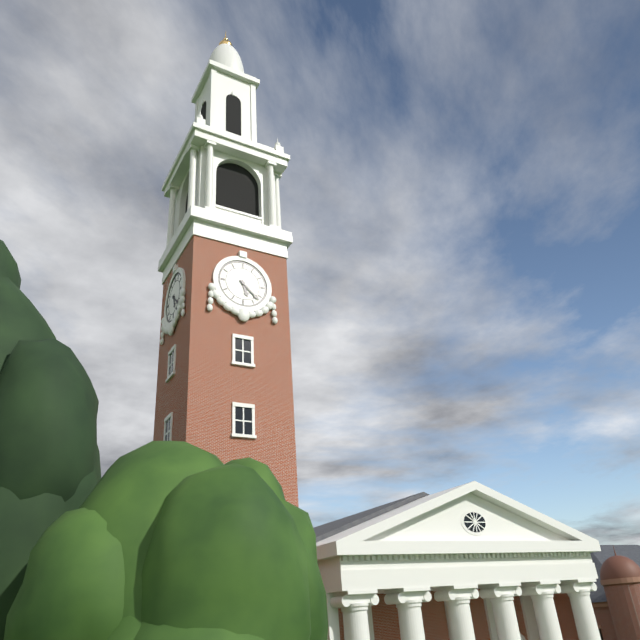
5:22
